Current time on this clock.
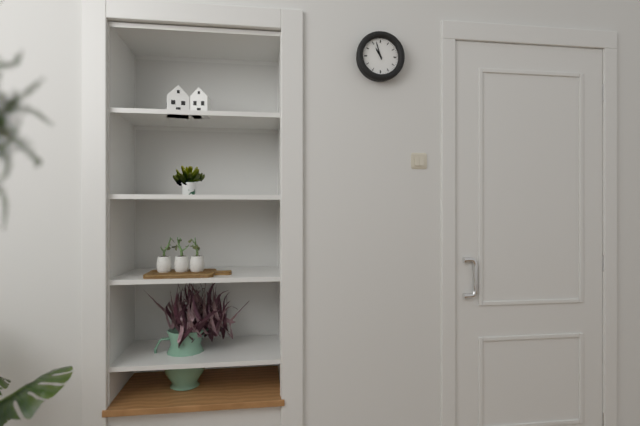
10:57
